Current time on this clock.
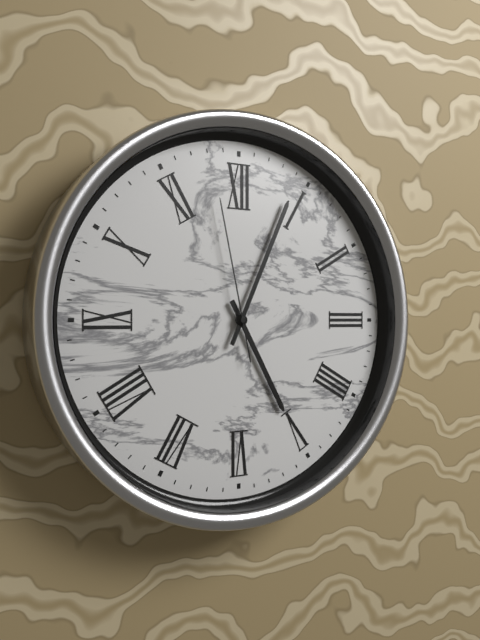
5:04:58
